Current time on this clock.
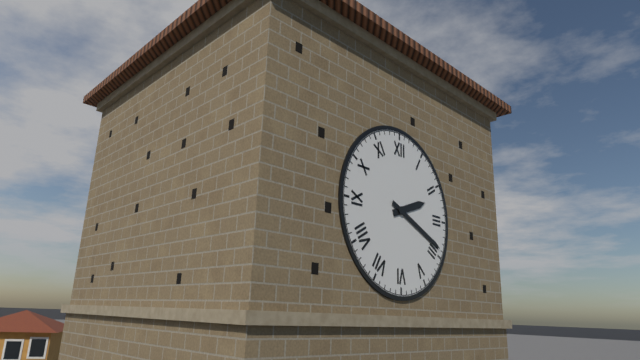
2:19
